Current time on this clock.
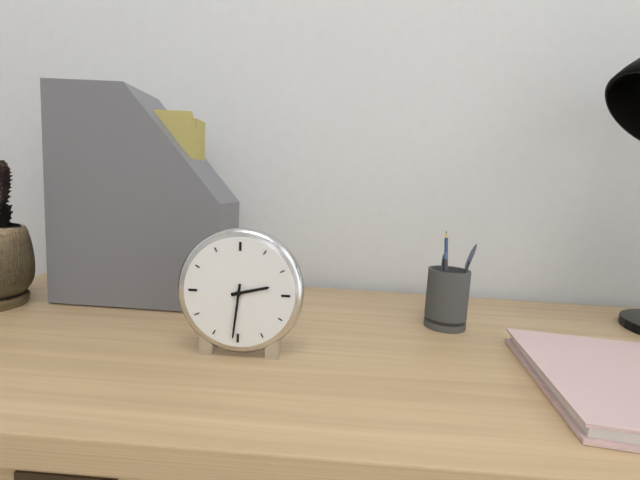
2:31
